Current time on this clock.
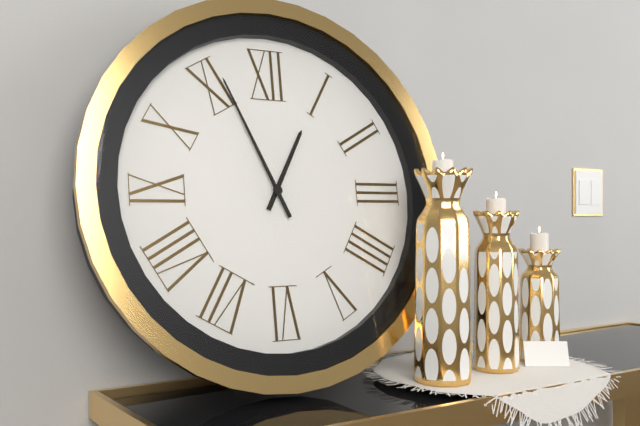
12:56
